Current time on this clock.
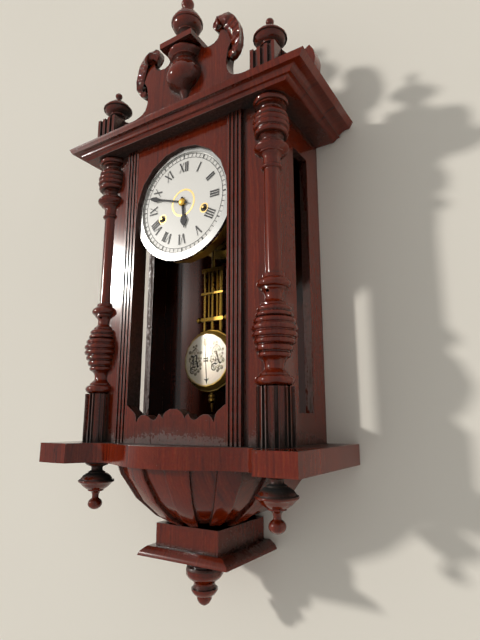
5:48
